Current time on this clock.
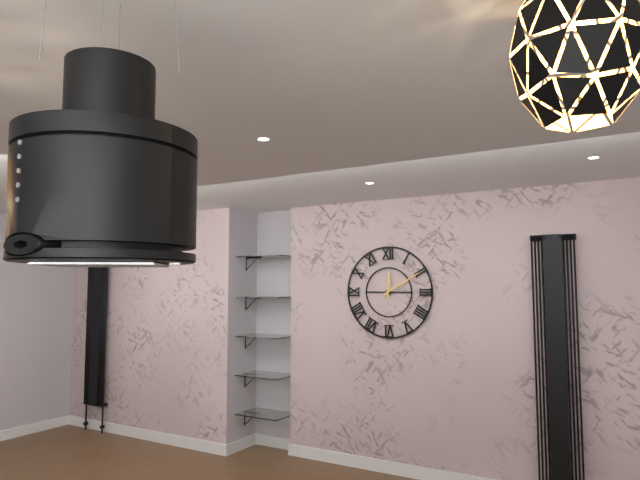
12:10
